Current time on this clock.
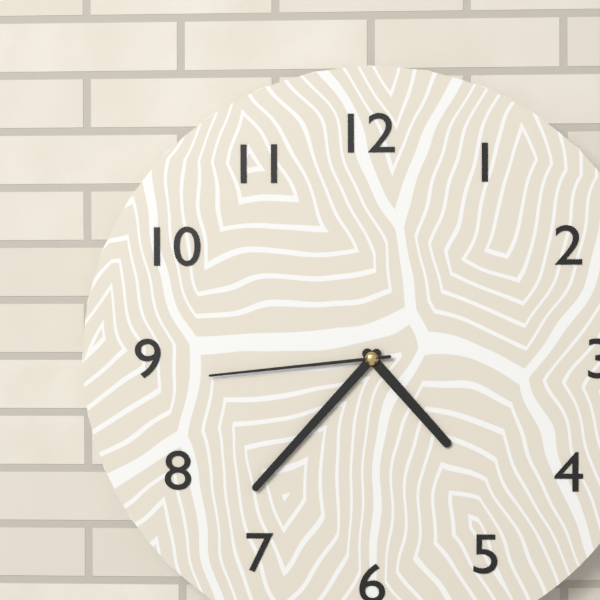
4:37:44
